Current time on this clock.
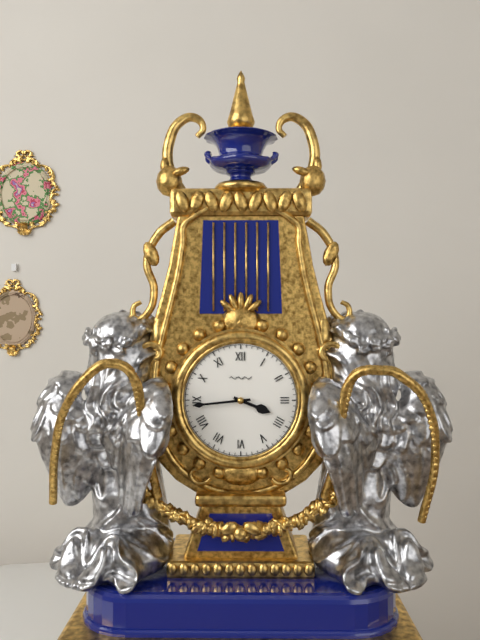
3:44
